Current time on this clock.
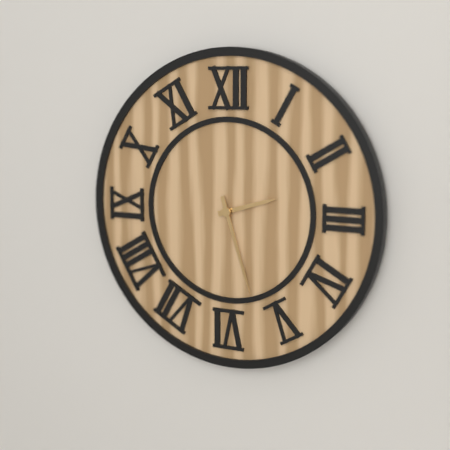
2:27
